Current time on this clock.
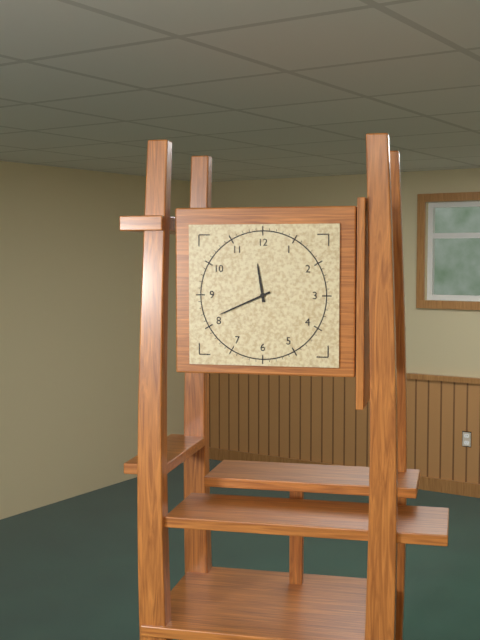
11:41
